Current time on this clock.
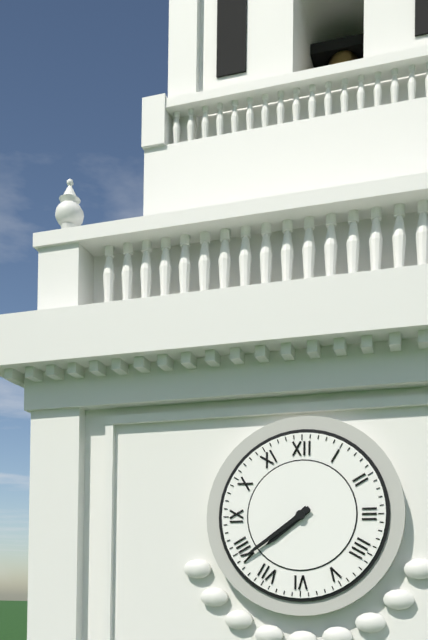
7:39
